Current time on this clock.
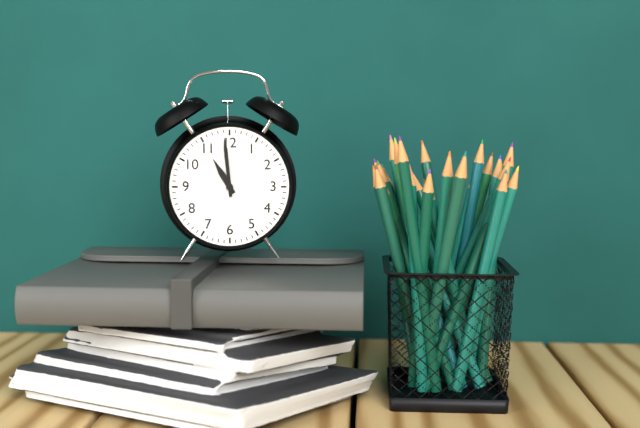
10:59
